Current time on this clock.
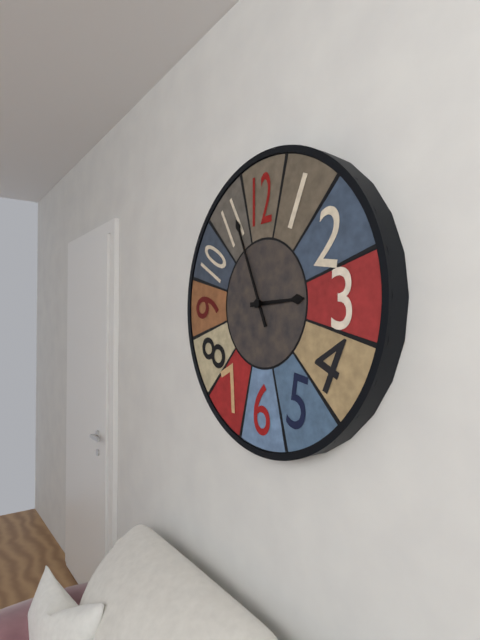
2:56
